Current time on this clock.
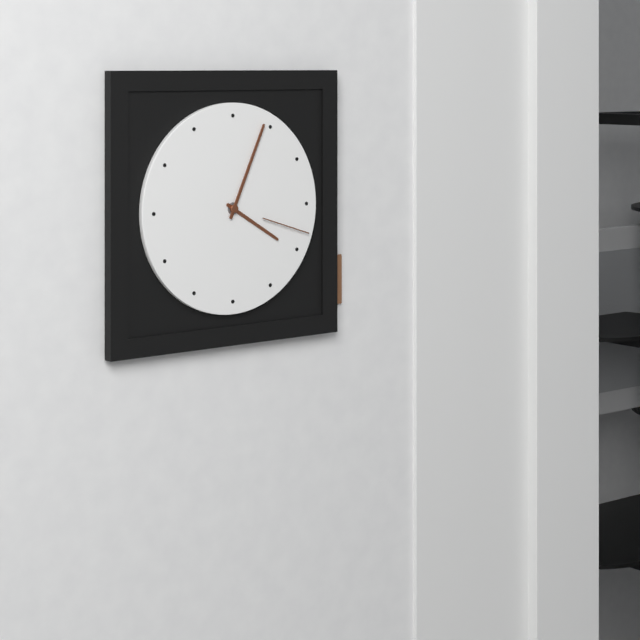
4:04:18
